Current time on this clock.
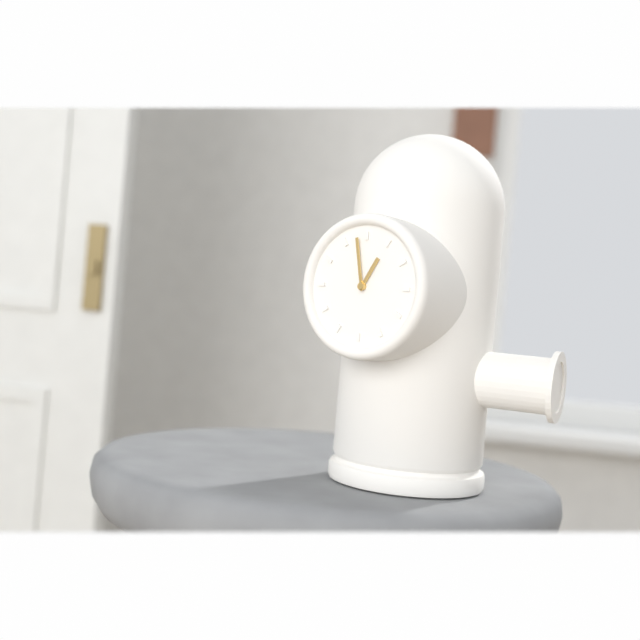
12:58
